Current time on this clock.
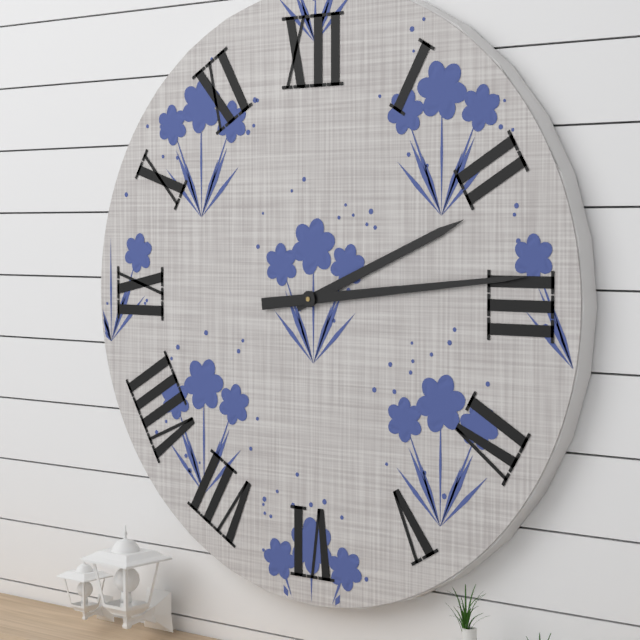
2:14
